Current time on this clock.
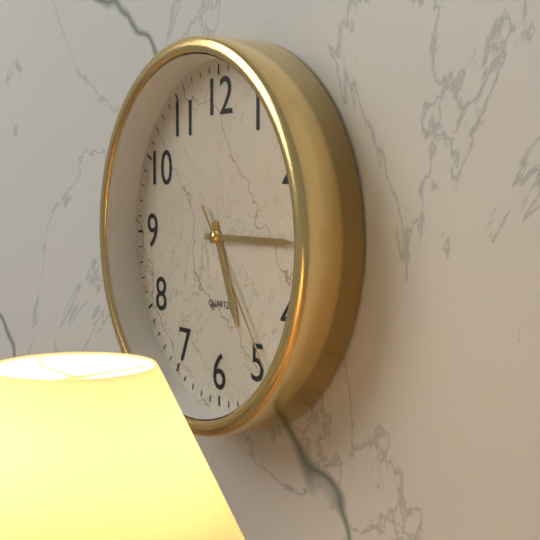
5:15:24
